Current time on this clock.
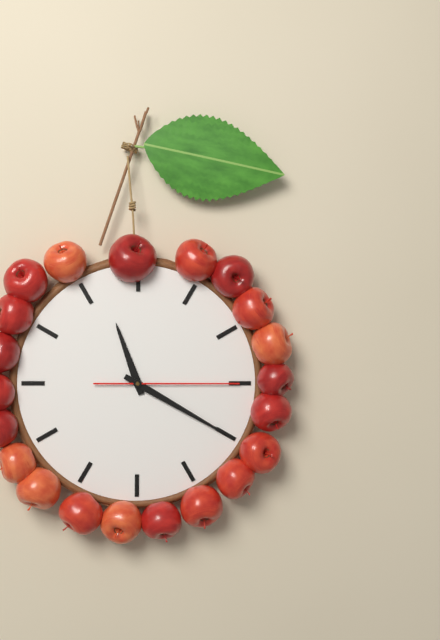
11:20:15
